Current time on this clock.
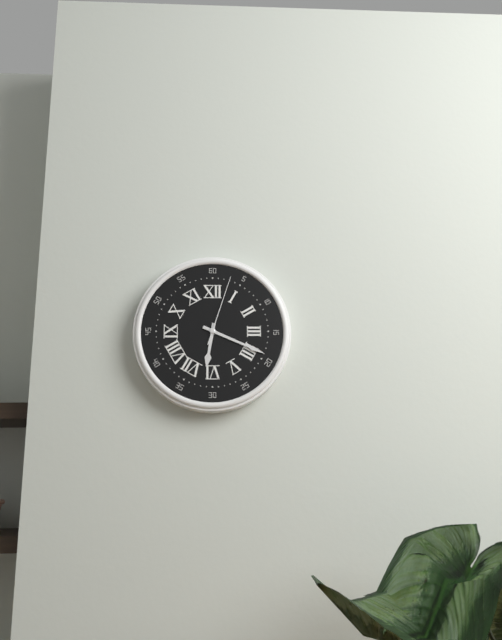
6:19:03
